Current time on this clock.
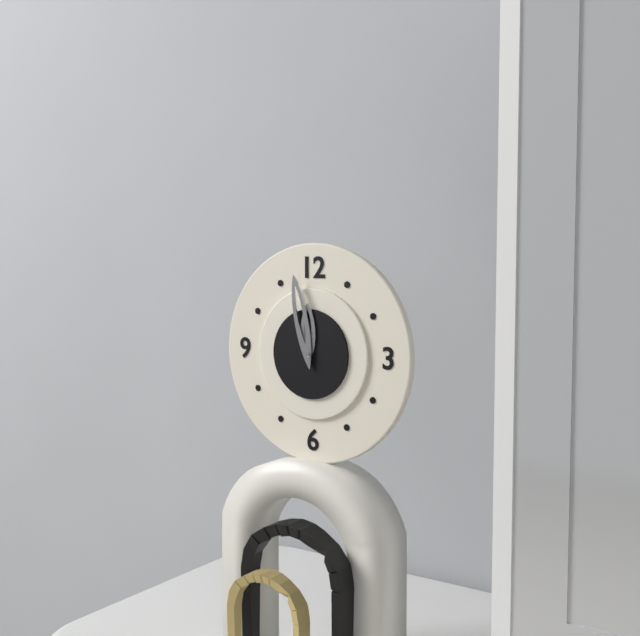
11:58
